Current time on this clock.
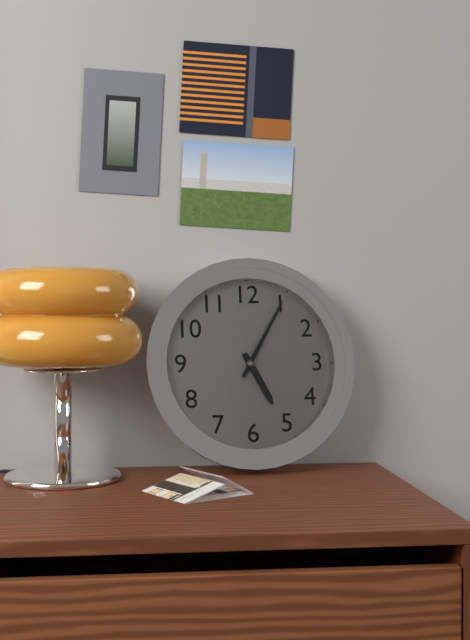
5:05
